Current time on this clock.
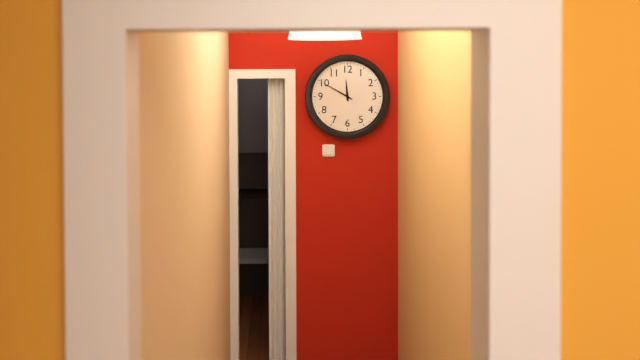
11:50
